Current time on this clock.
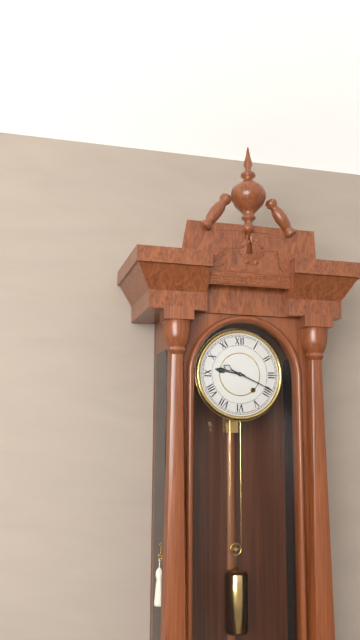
9:19
